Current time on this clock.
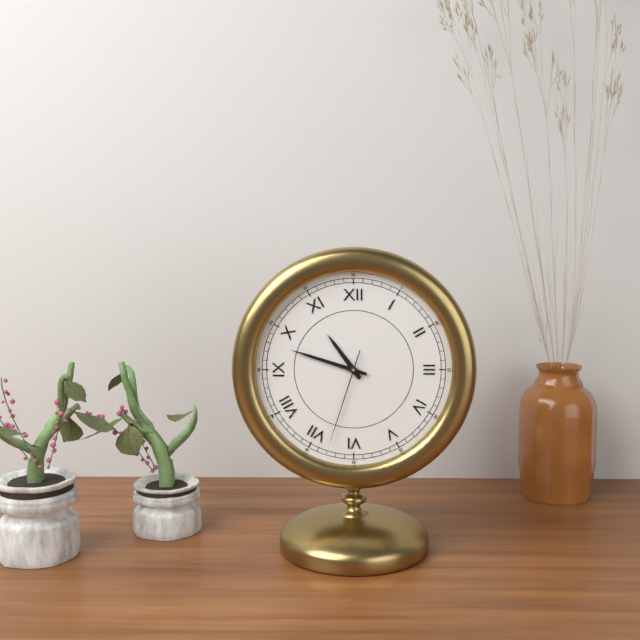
10:48:33
